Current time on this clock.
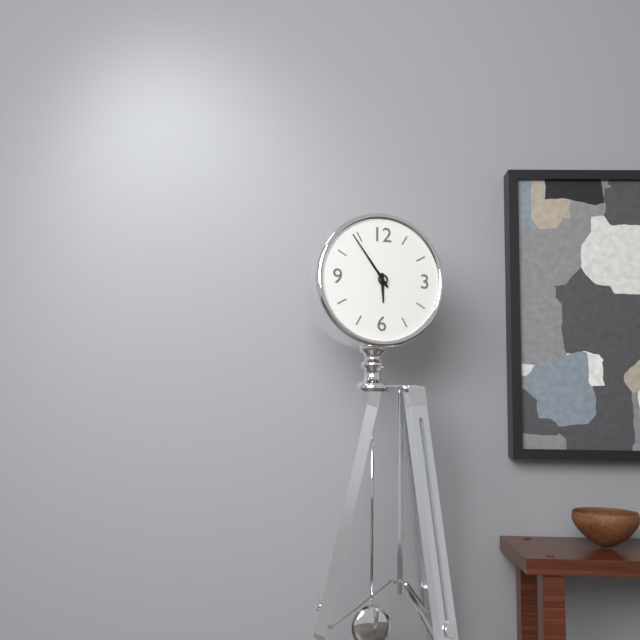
5:54
